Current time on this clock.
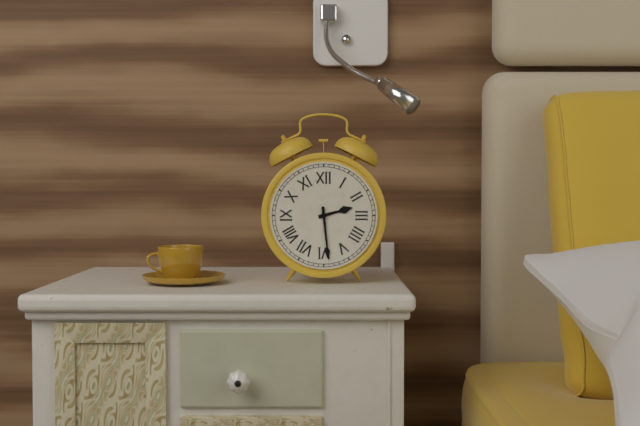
2:29
